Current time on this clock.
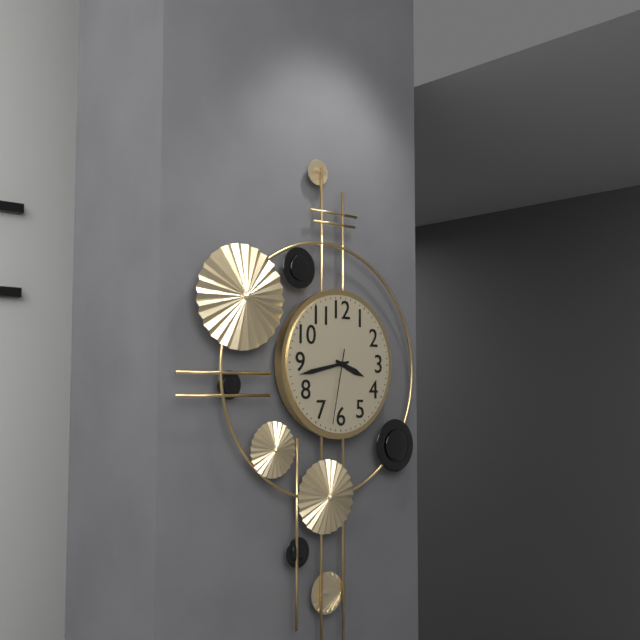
3:43:32
